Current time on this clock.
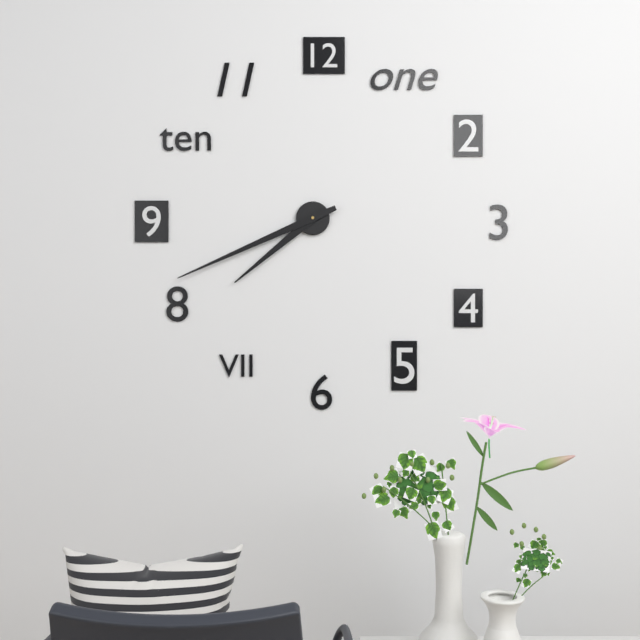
7:41
